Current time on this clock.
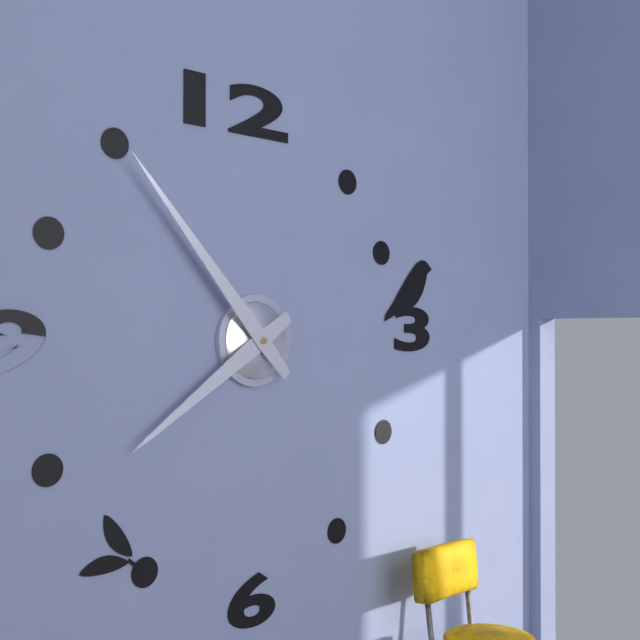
7:53
